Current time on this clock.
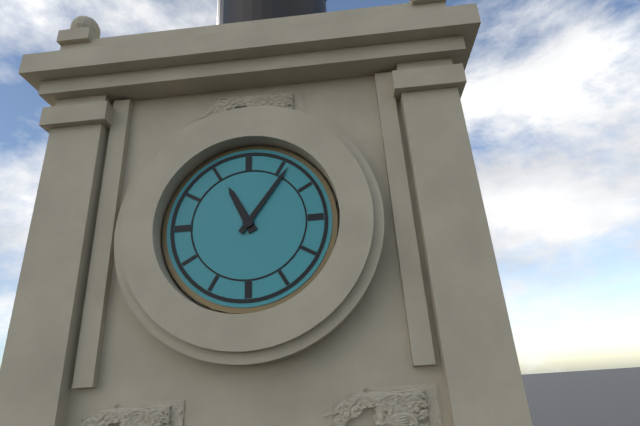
11:06
